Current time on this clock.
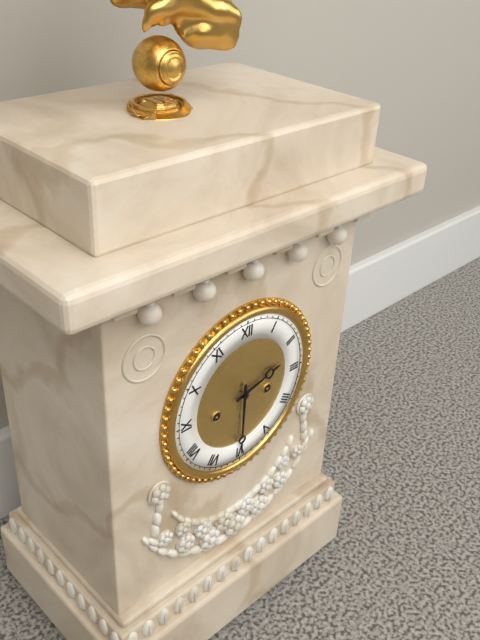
2:30
